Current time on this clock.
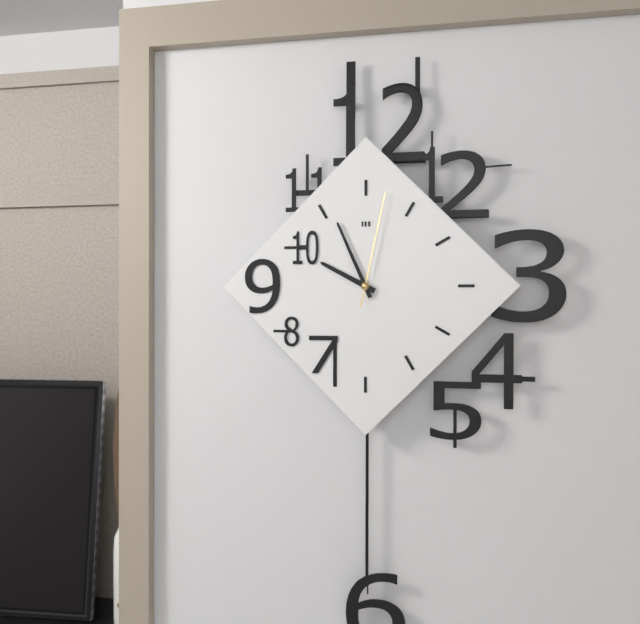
9:56:02
